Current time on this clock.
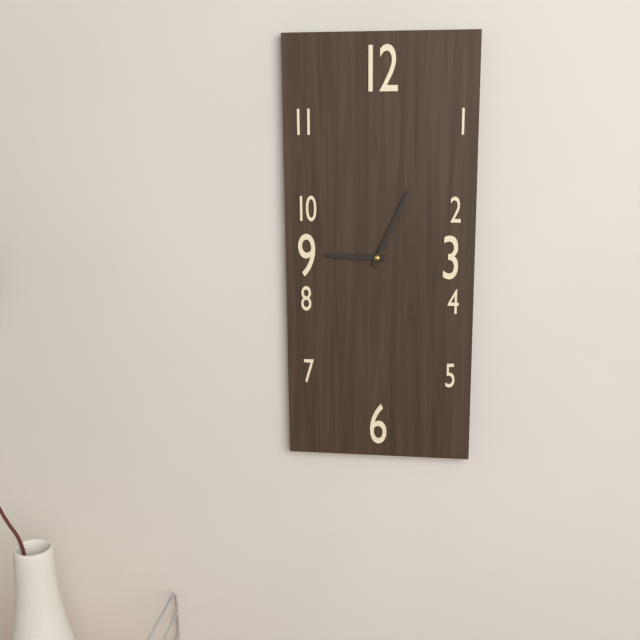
9:04
